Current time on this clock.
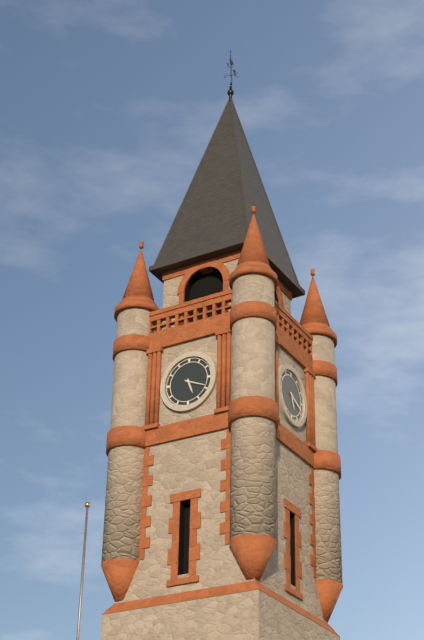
5:19
